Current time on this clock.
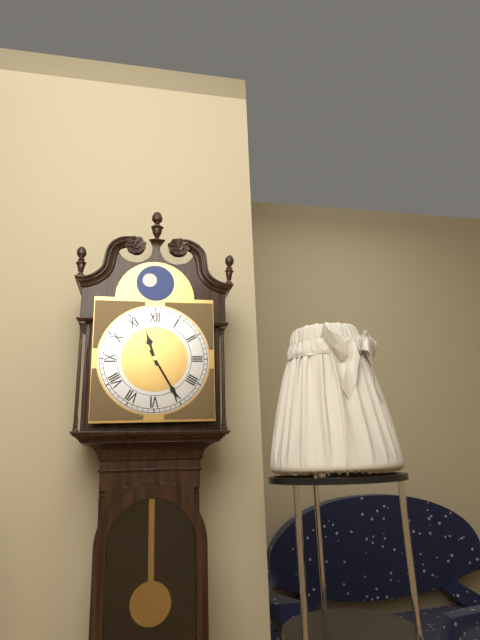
11:25
